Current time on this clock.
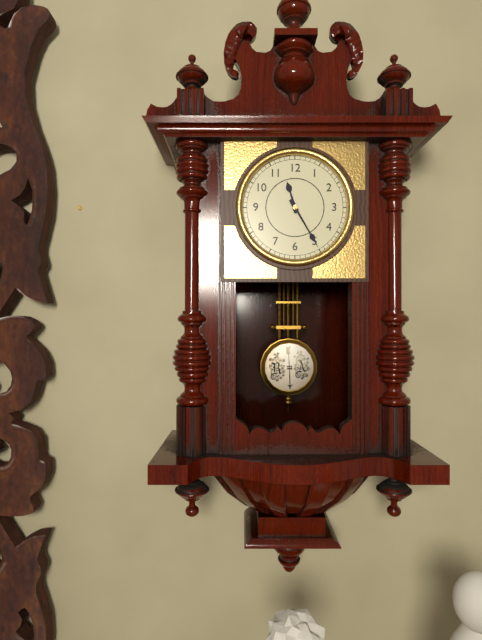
11:25
